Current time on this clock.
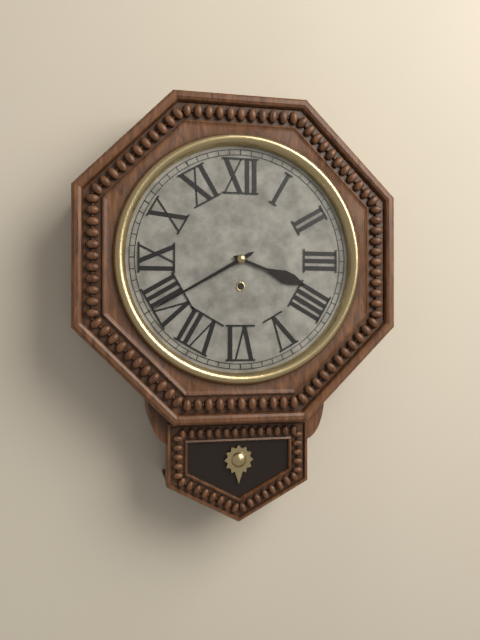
3:40
